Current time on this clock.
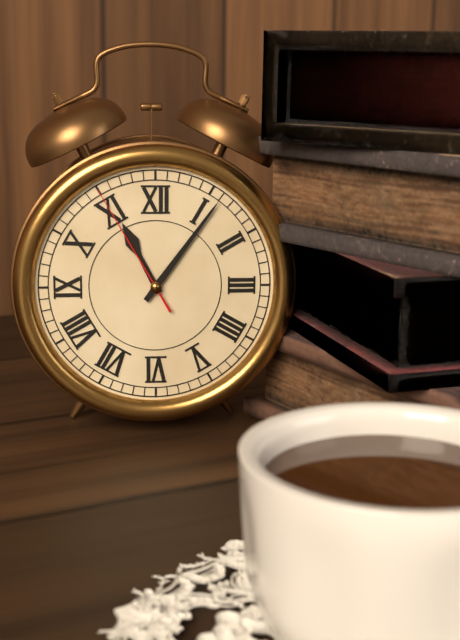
11:06:55
